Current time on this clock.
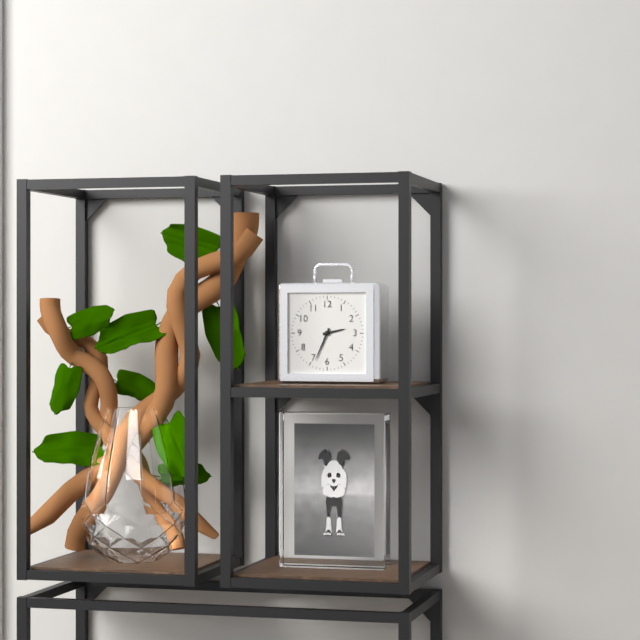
2:34
